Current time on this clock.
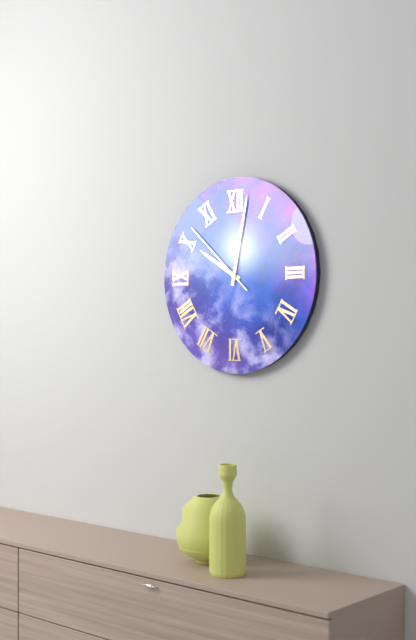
10:02:52
